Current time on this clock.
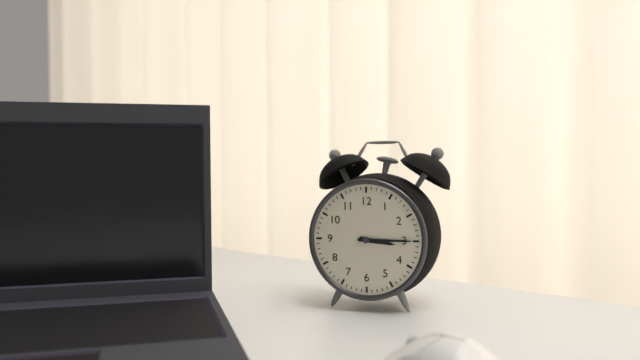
3:15
